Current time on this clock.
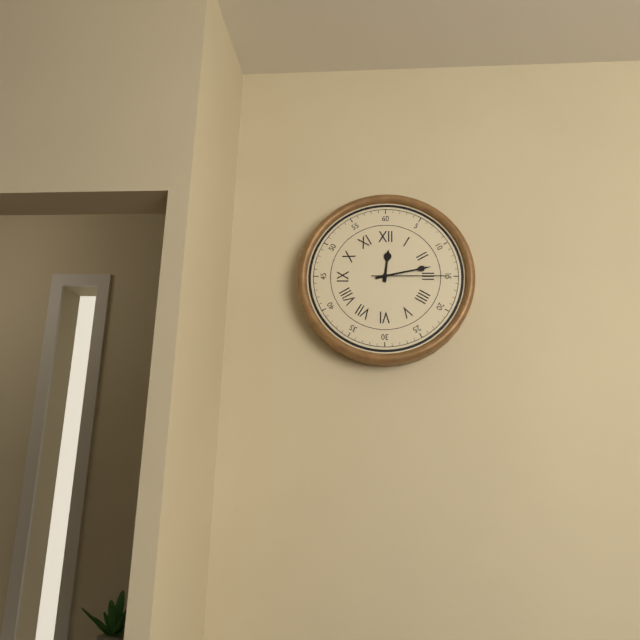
12:13:15
